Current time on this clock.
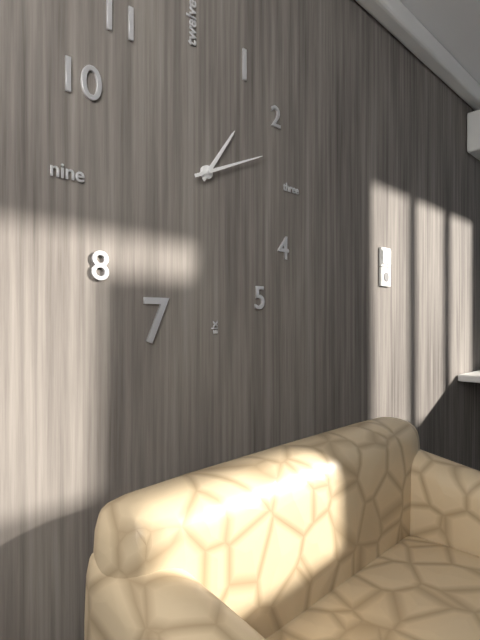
1:11
